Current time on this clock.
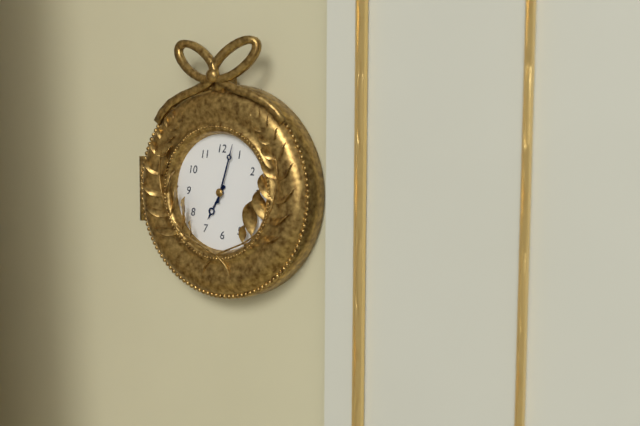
7:03
